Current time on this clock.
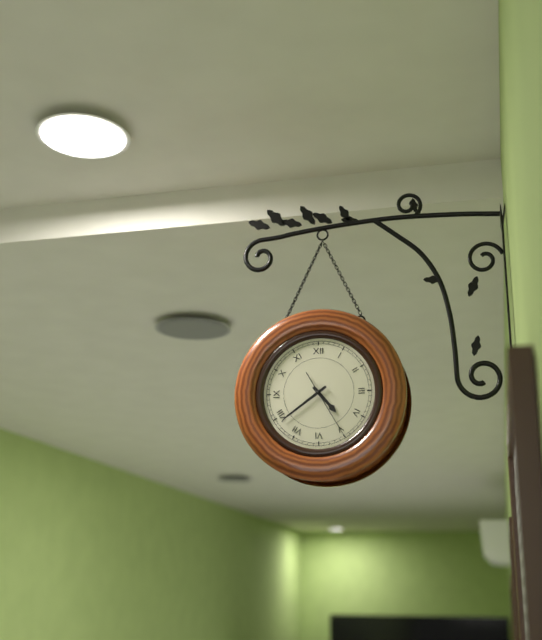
4:39:25
